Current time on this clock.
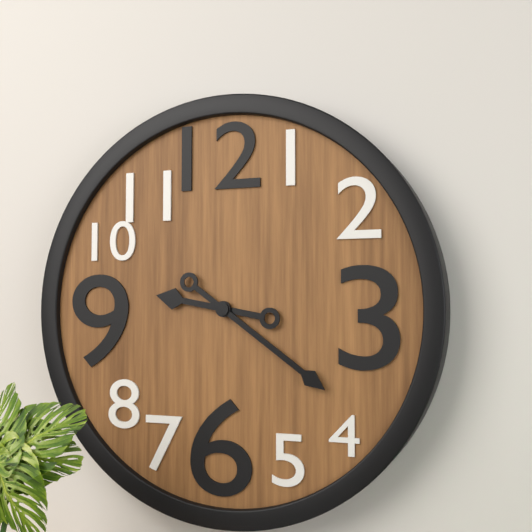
9:21
